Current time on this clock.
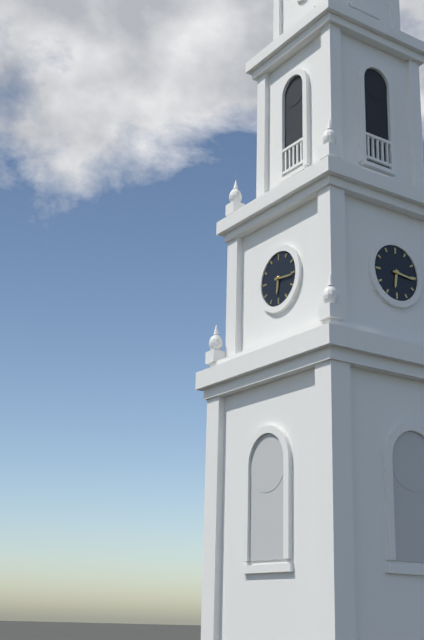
6:16
